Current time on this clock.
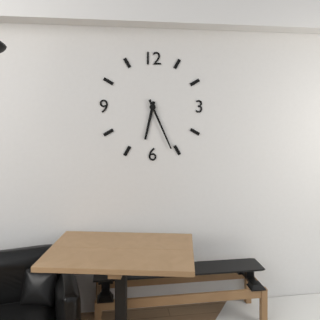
6:26
